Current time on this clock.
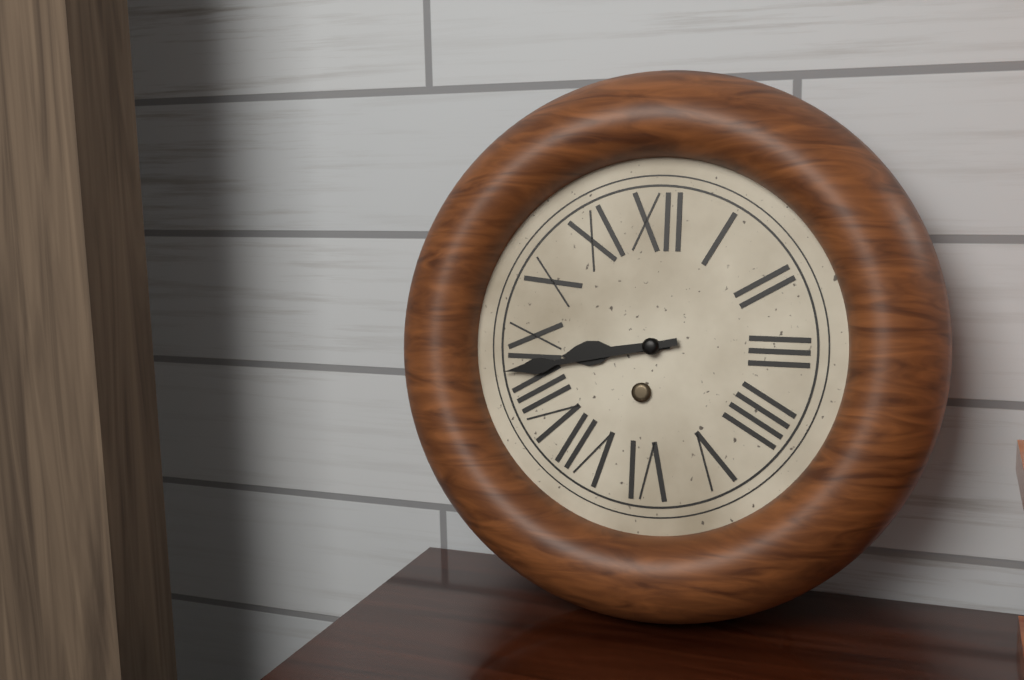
8:43
